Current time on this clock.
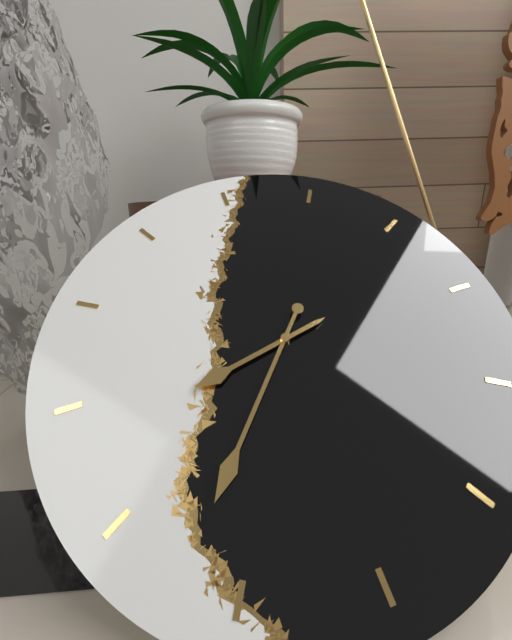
8:37
